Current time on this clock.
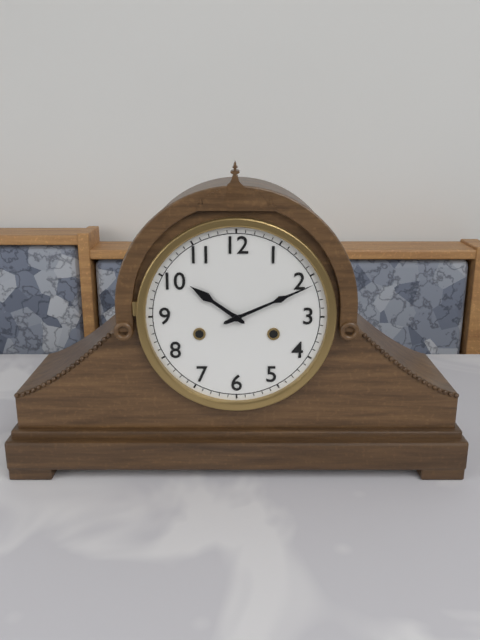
10:11
